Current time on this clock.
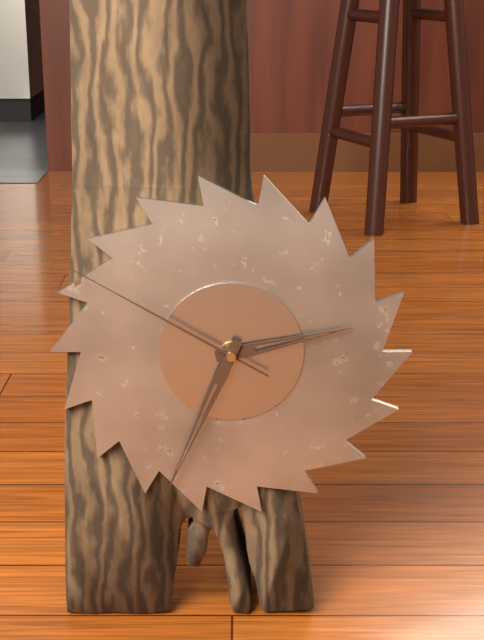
2:34:50
